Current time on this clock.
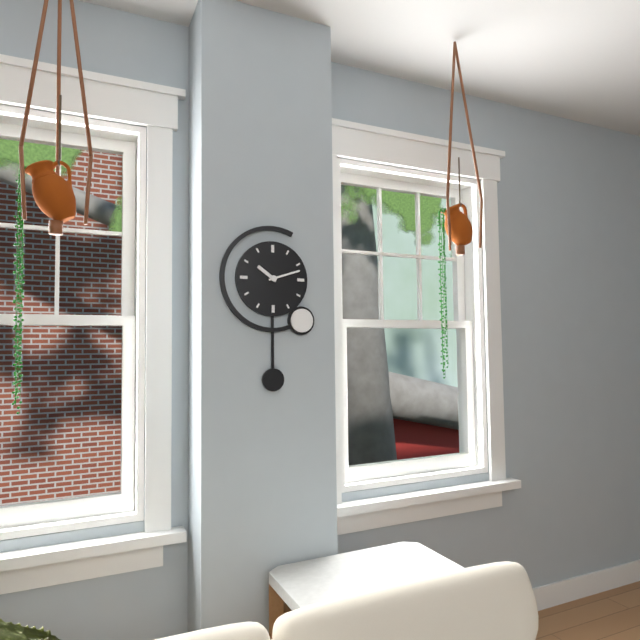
10:12
